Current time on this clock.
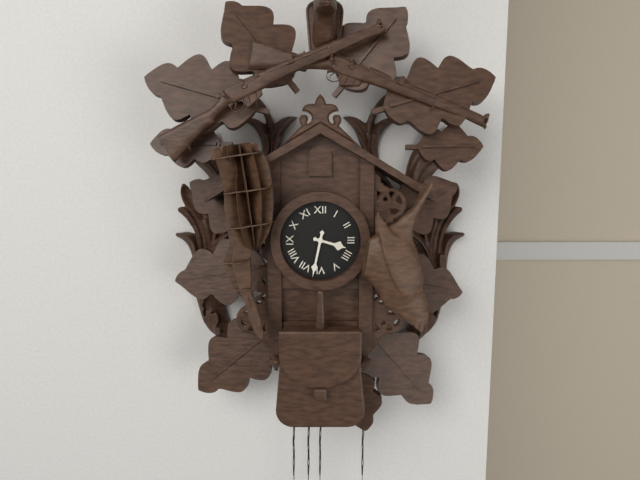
3:32
